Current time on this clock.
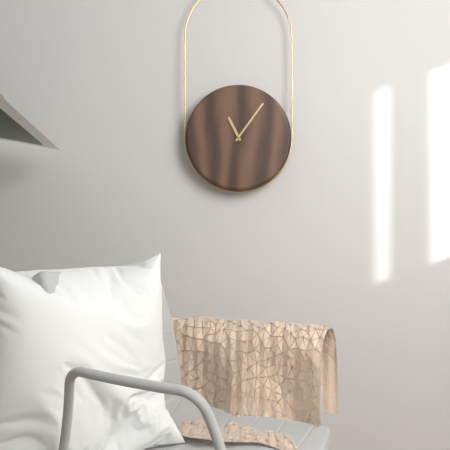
11:06
